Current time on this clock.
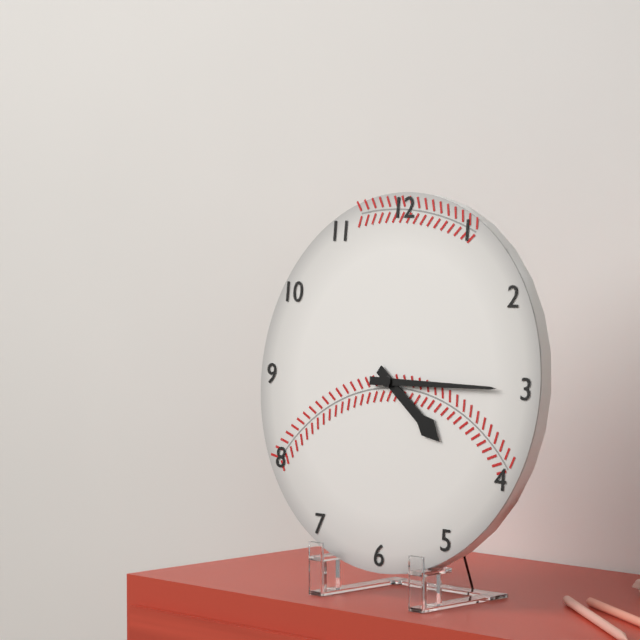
4:15
